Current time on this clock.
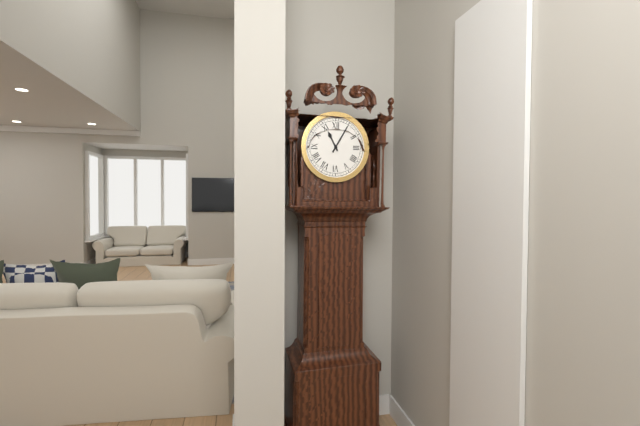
11:05
